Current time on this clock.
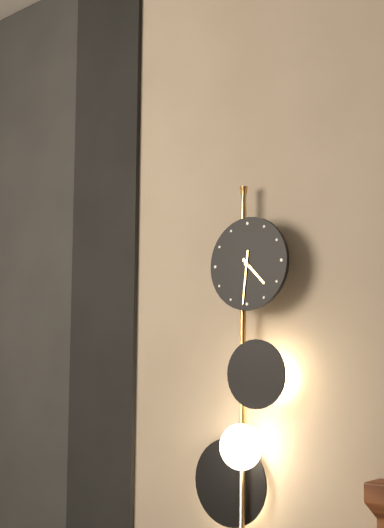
4:31
